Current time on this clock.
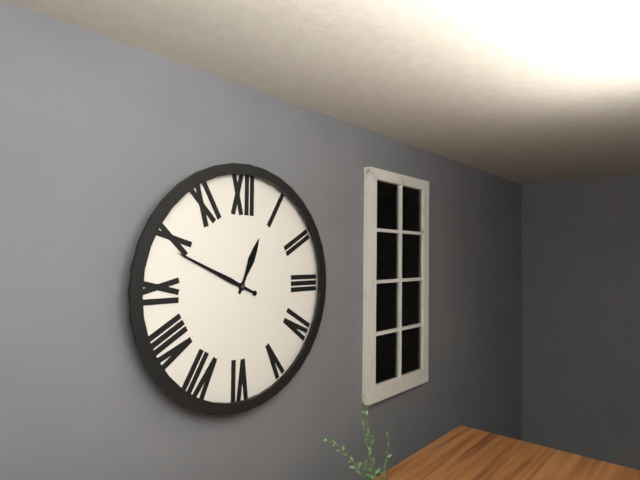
12:49
